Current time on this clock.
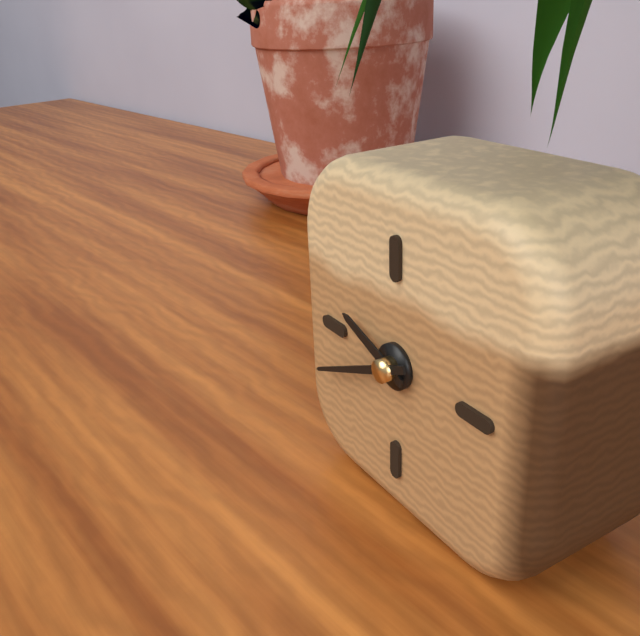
9:41
